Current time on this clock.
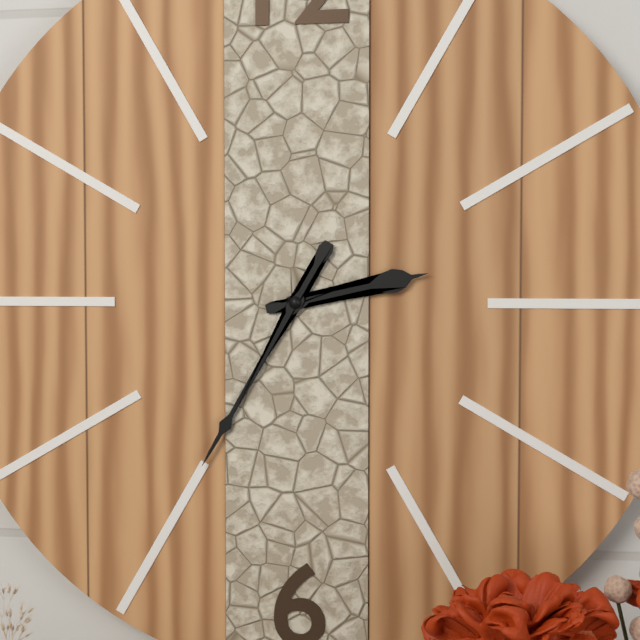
2:35
